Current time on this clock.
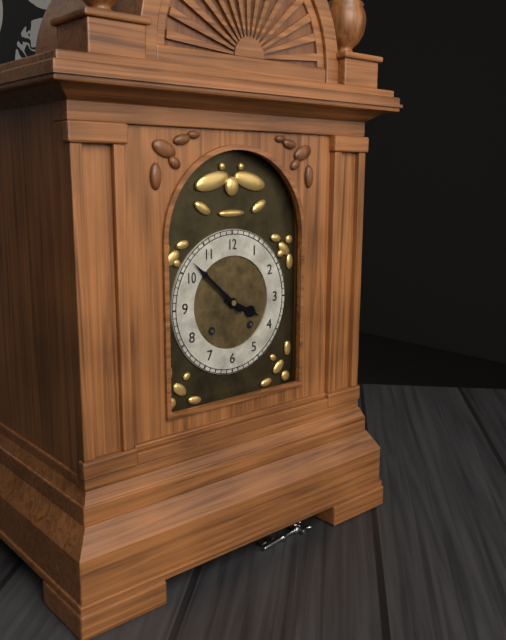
3:52
